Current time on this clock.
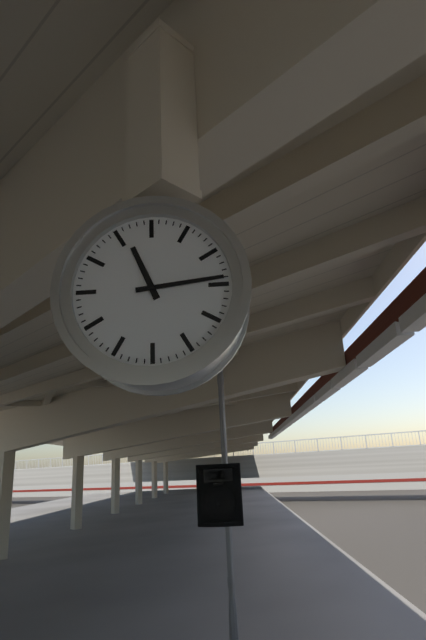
11:14
